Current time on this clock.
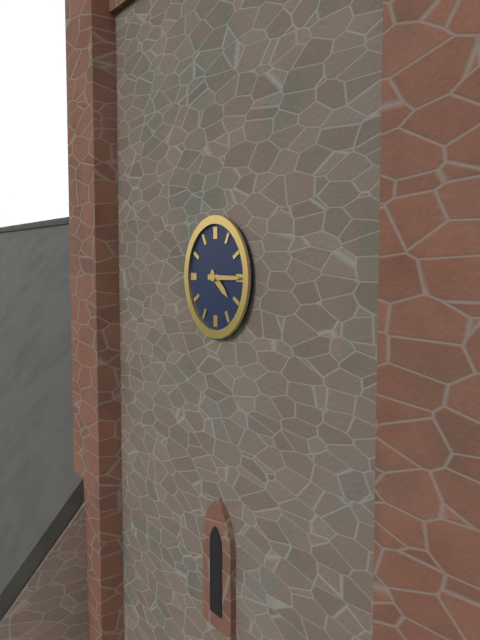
4:15
